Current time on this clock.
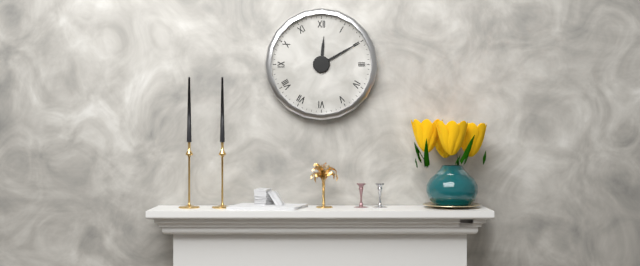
12:10
